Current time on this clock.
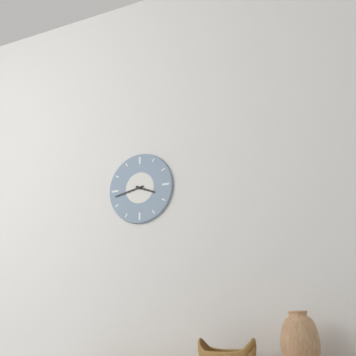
3:43
